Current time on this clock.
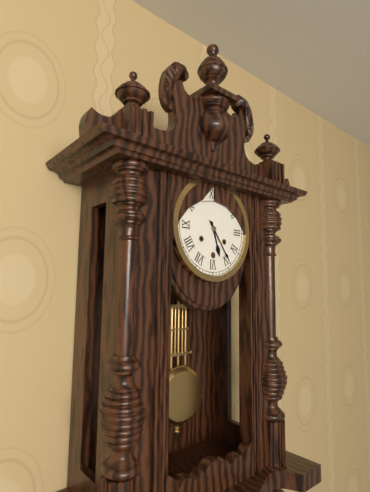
5:24
